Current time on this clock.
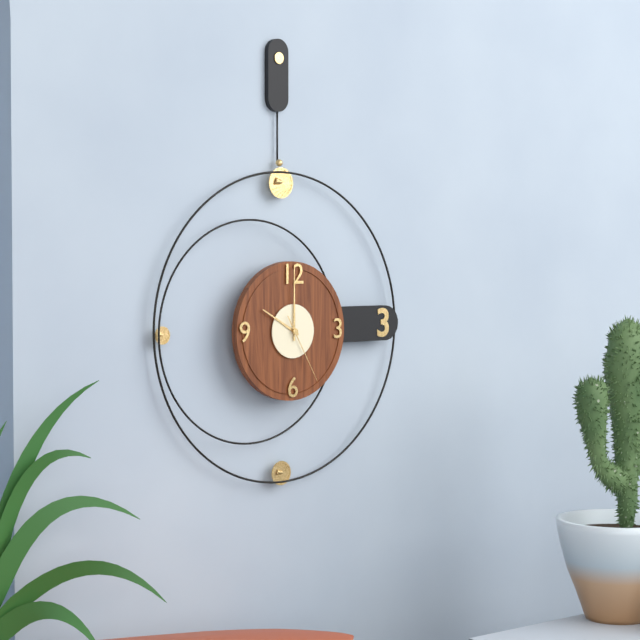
10:00:25
